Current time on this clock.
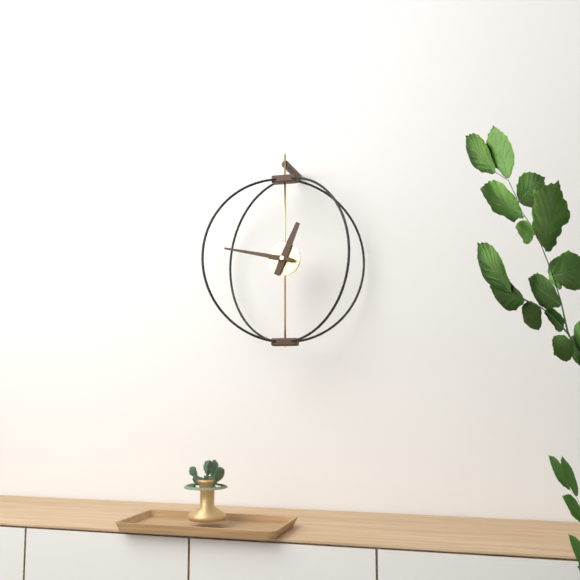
12:47
